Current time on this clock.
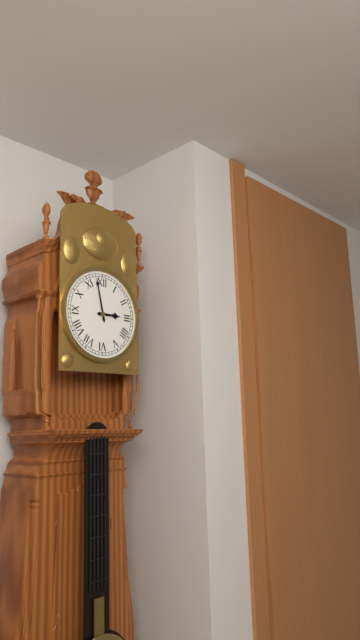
2:58
